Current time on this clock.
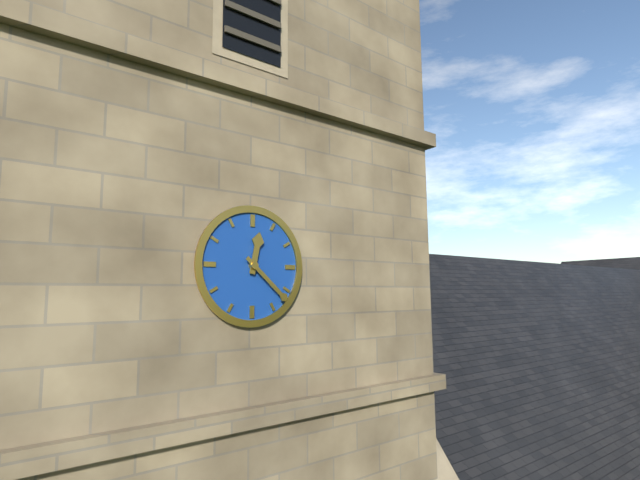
12:22
